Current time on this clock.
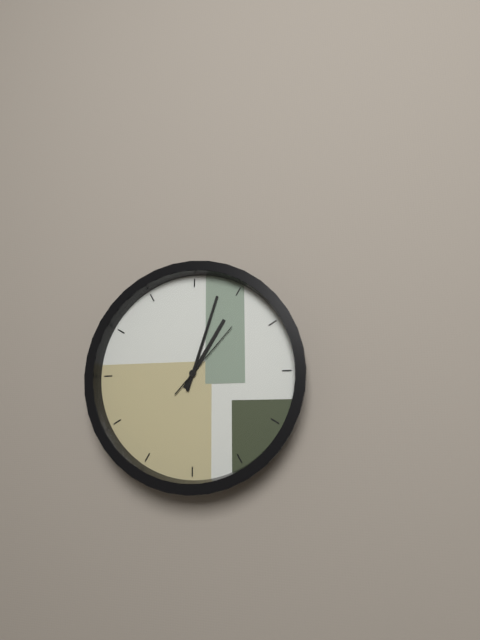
1:03:07
